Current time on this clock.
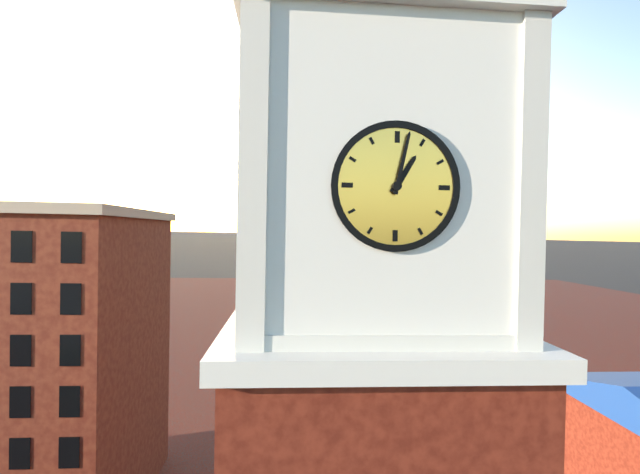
1:02
